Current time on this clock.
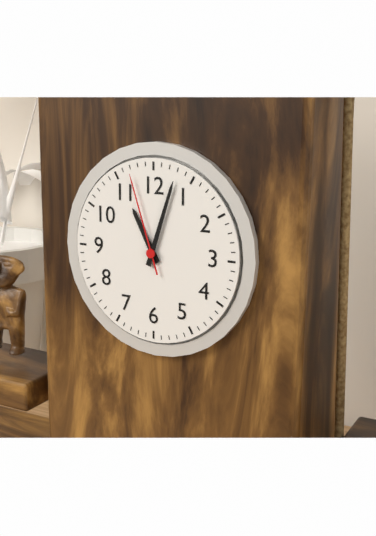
11:03:57
